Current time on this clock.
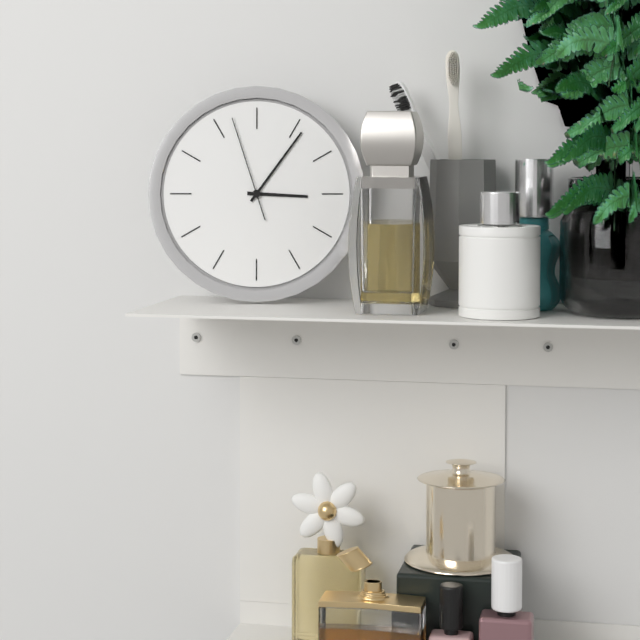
3:06:57
